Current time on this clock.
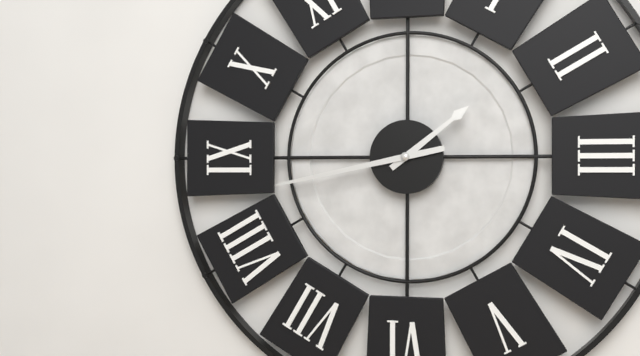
1:43
